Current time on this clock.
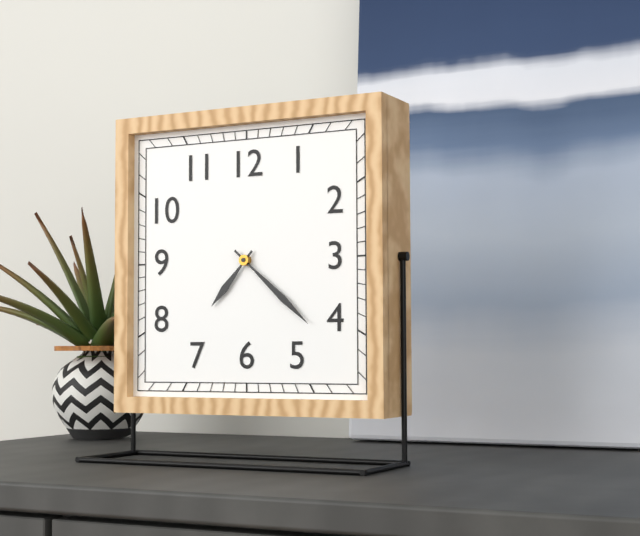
7:22
